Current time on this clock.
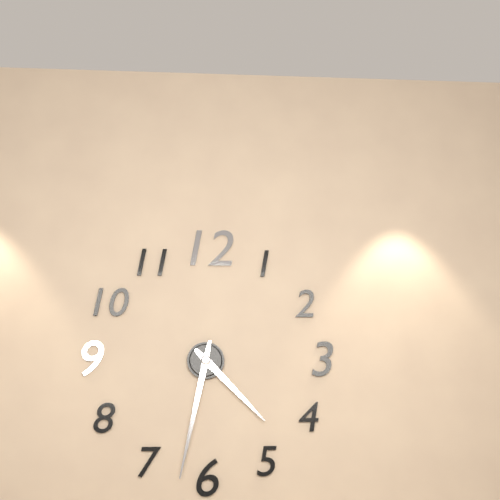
4:32
